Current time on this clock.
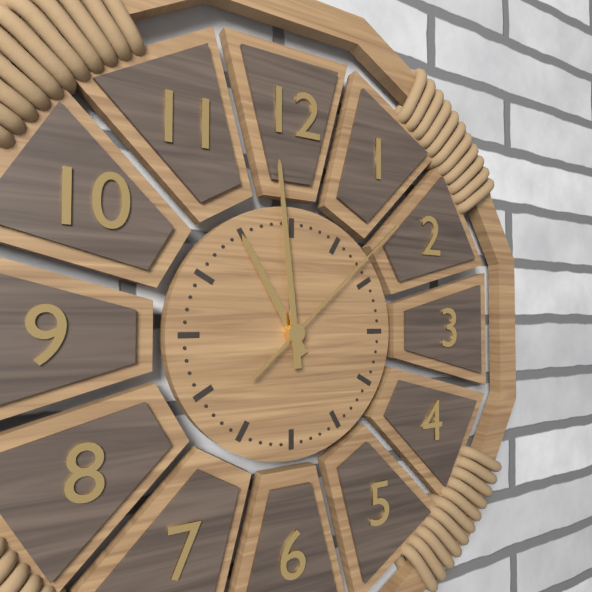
10:59:08
